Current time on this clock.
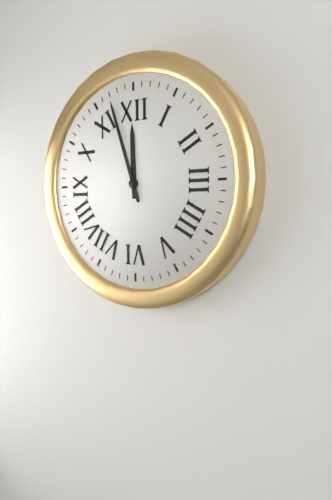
11:57
